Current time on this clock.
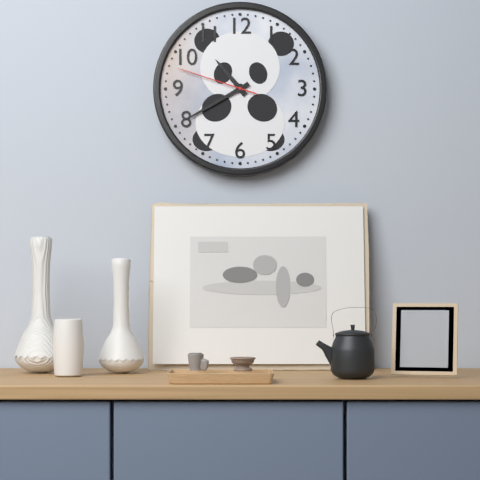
10:40:48
